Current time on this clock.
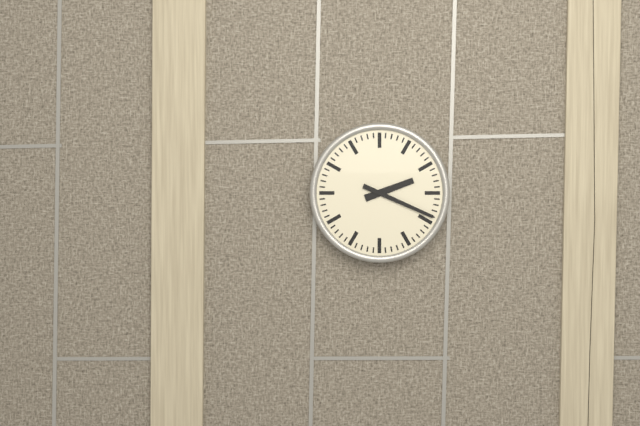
2:19
